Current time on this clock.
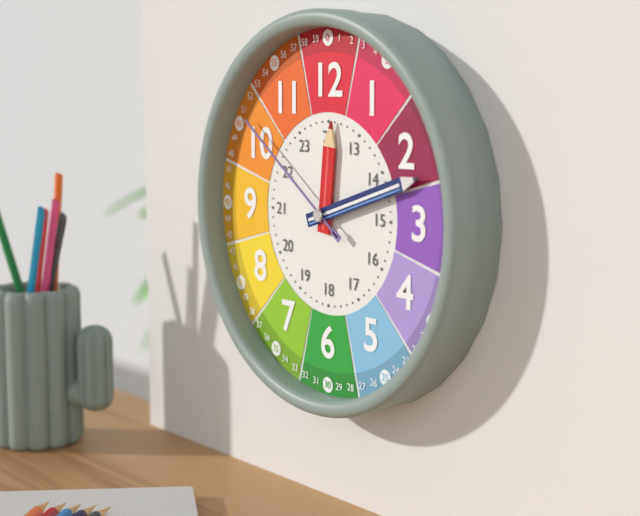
12:12:51
